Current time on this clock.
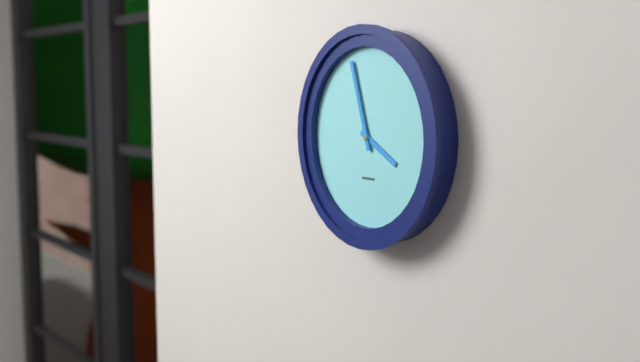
3:57
